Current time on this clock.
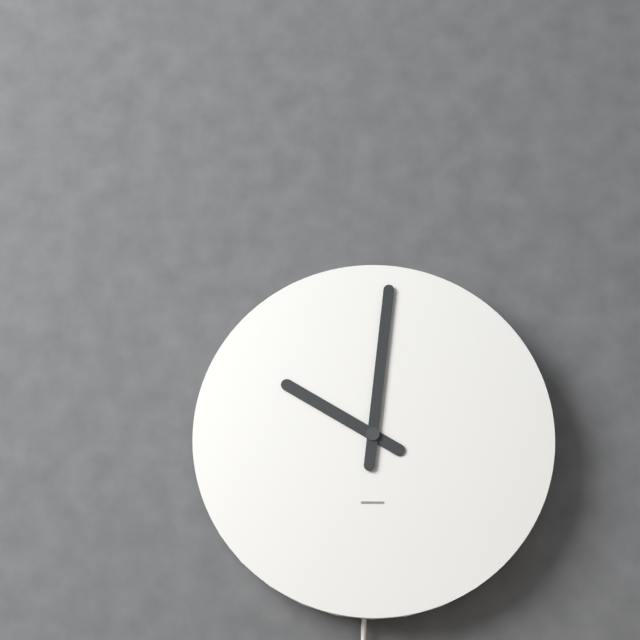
10:01
